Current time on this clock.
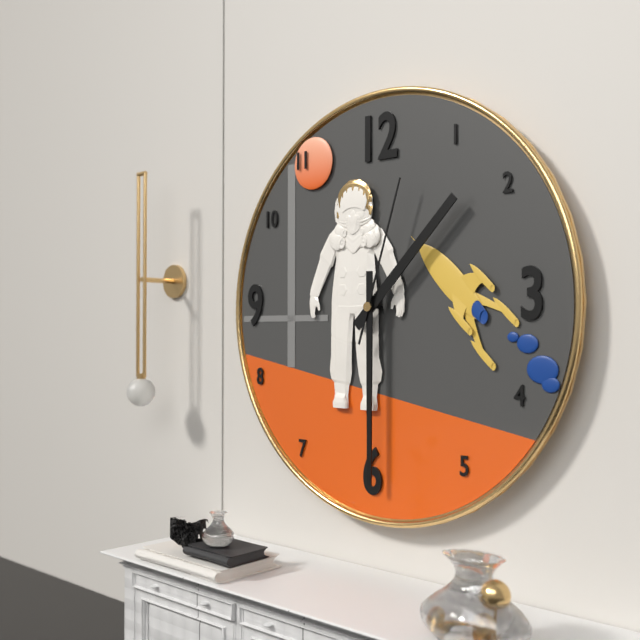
1:30:03
